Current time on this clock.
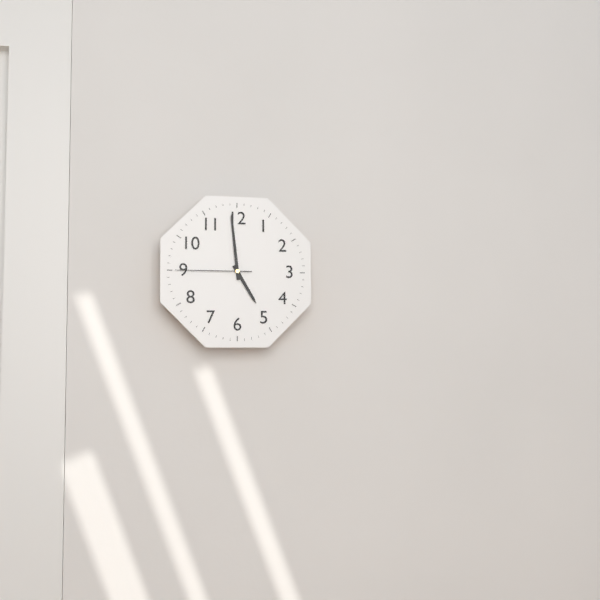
4:59:45
